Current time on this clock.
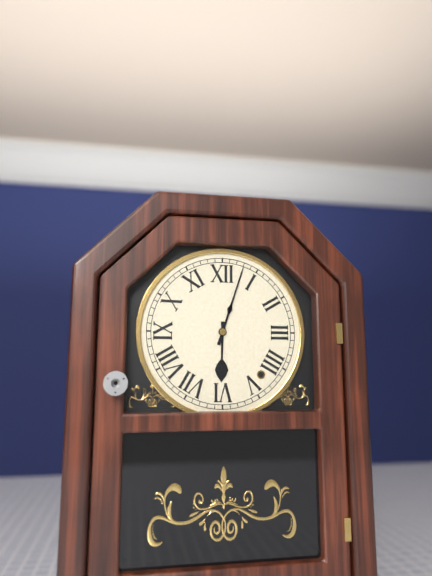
6:03
